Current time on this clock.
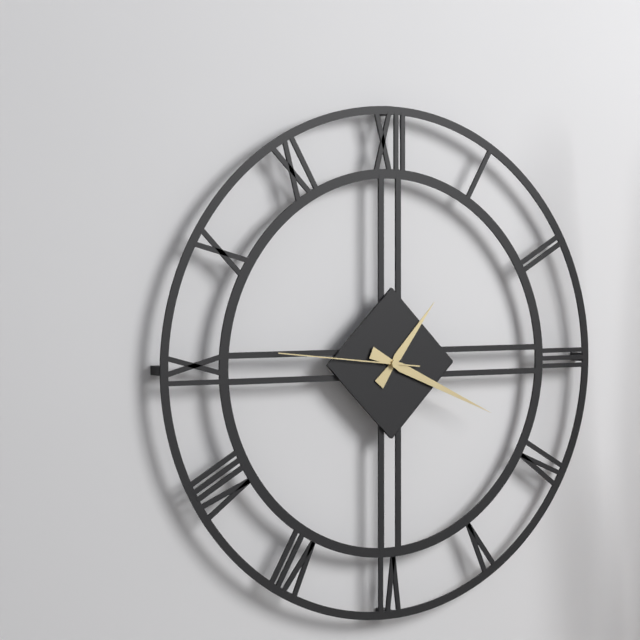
1:19:46
